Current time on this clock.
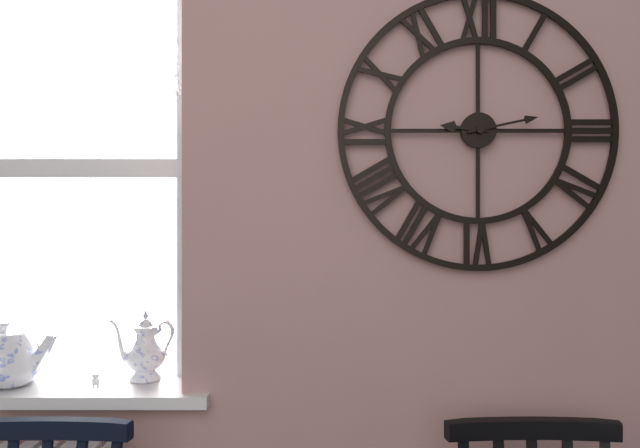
9:13
